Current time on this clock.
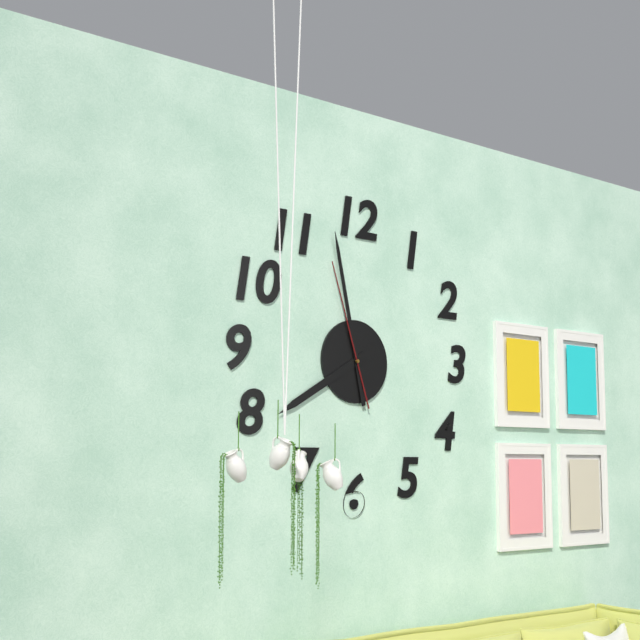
7:58:57
